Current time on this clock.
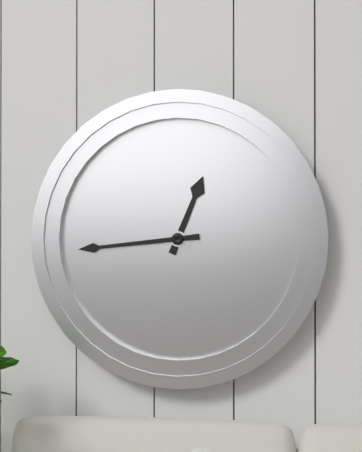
12:44
